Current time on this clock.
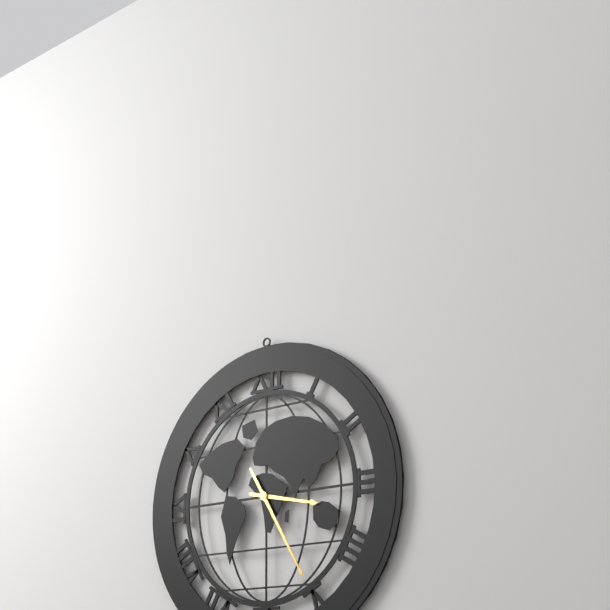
3:25
